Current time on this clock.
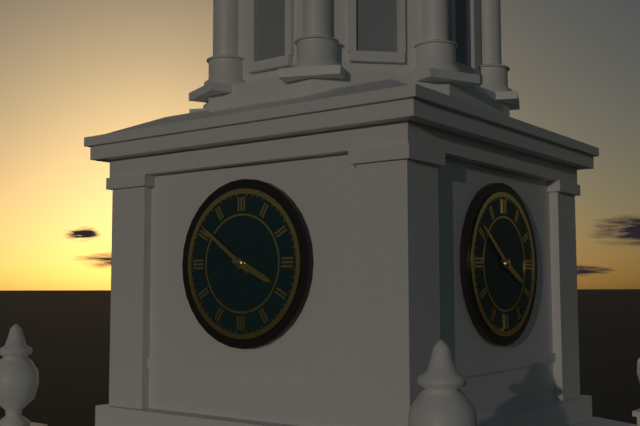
3:51
